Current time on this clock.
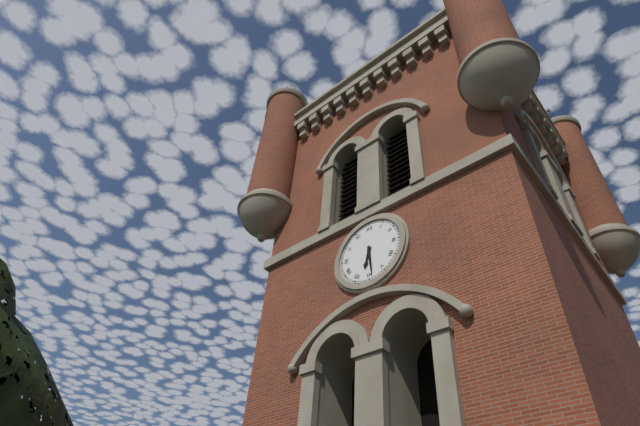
6:29
